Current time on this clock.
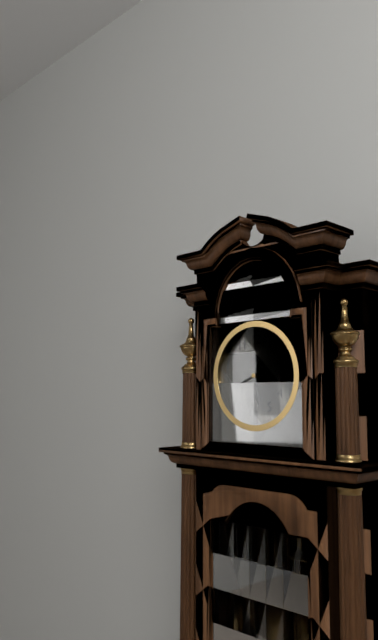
5:41
